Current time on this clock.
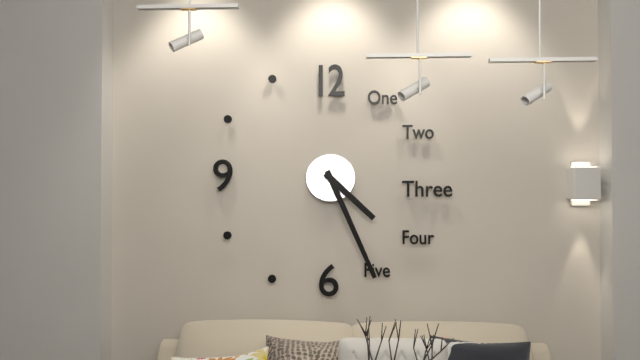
4:26
